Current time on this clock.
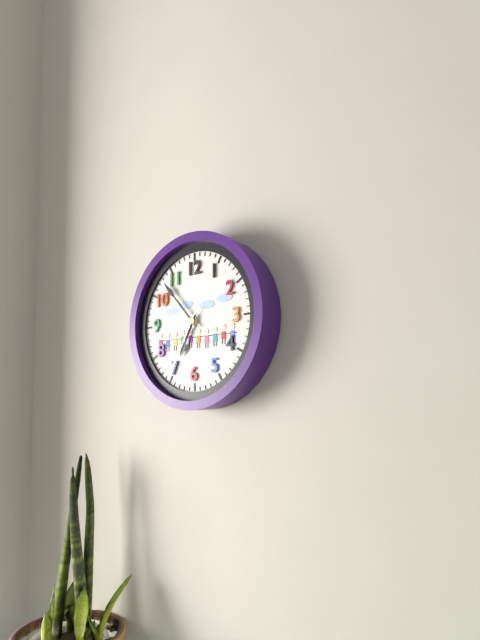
6:53:35
